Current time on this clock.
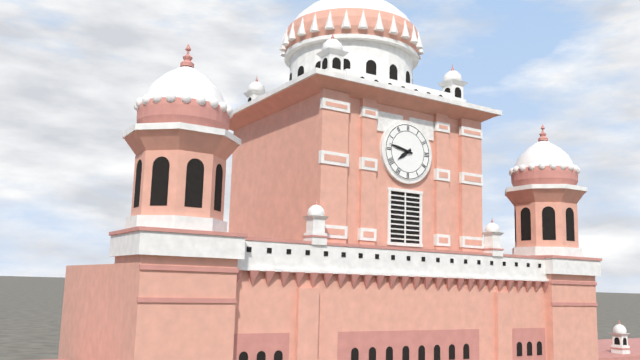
7:47
